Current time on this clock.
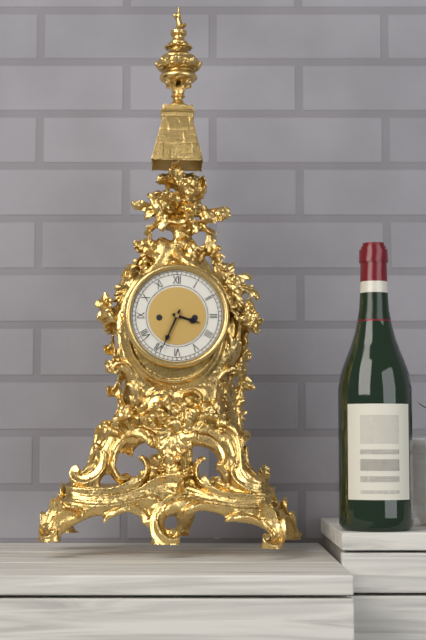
3:34
